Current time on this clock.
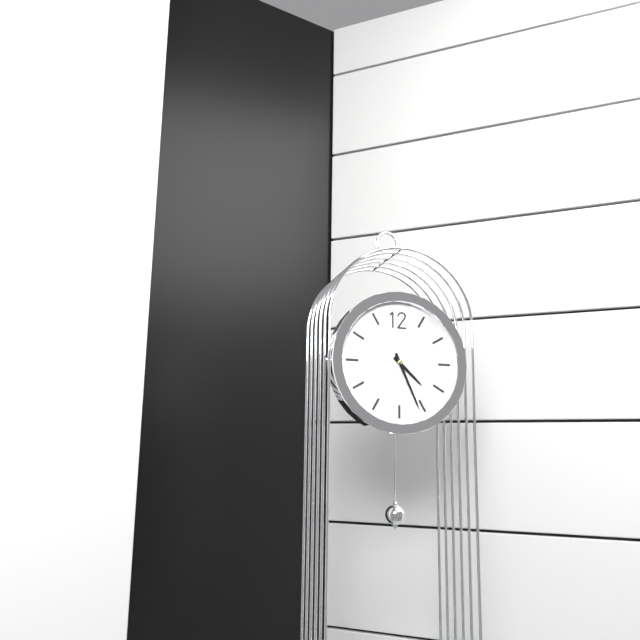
4:26
